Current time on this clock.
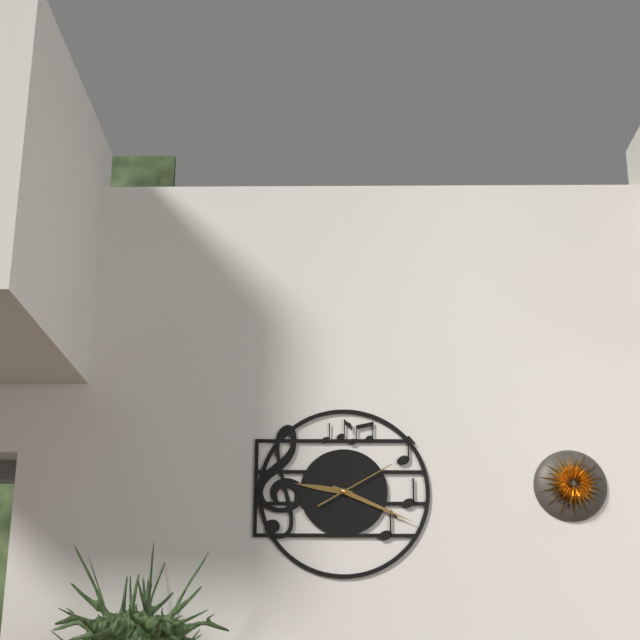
9:19:10
